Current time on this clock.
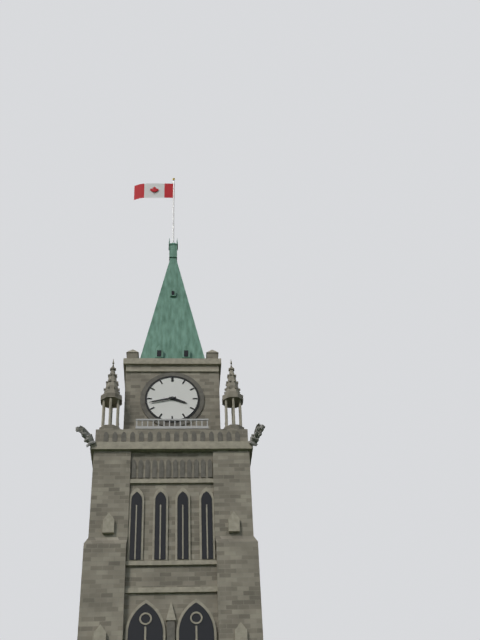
3:43
